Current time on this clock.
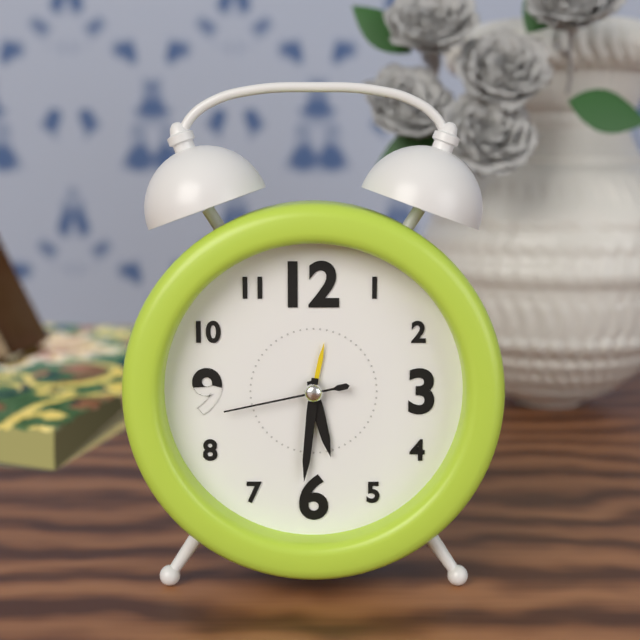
5:31:43
